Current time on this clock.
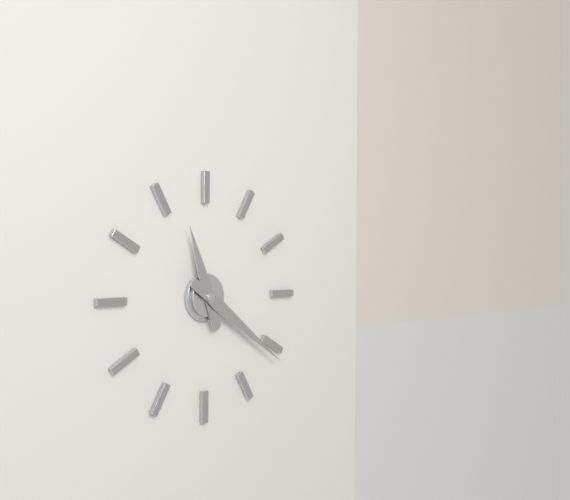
11:21
